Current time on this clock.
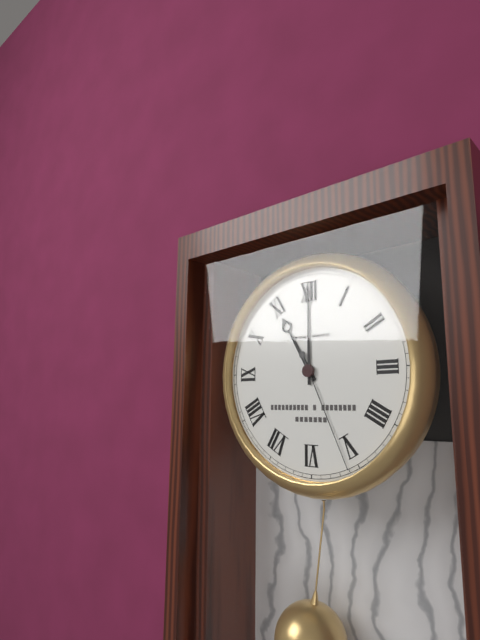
11:00:26
